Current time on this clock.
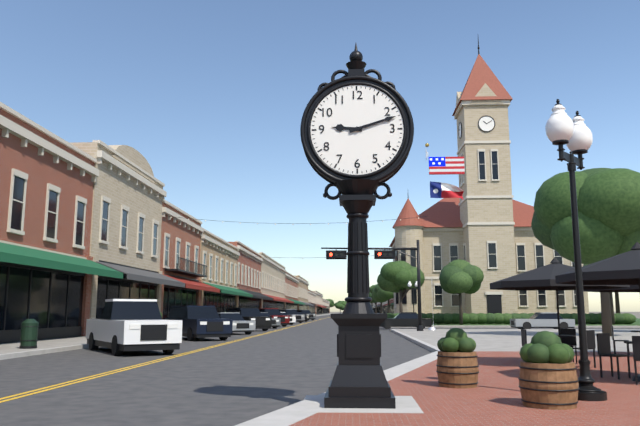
9:12
